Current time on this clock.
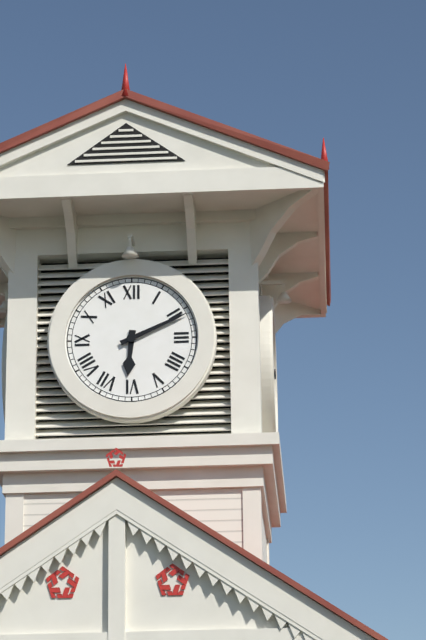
6:11
